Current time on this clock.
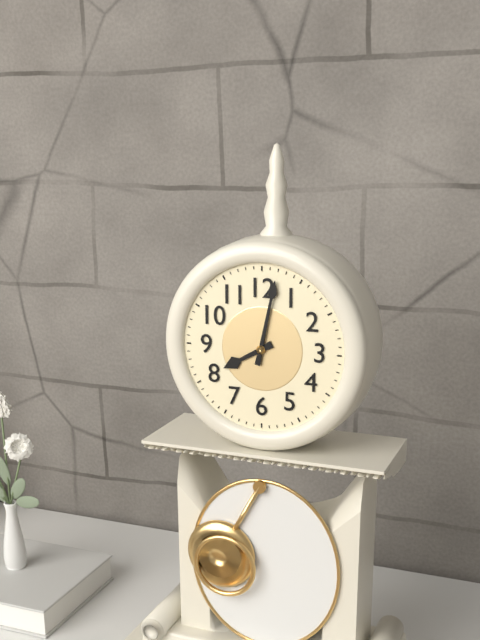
8:02
